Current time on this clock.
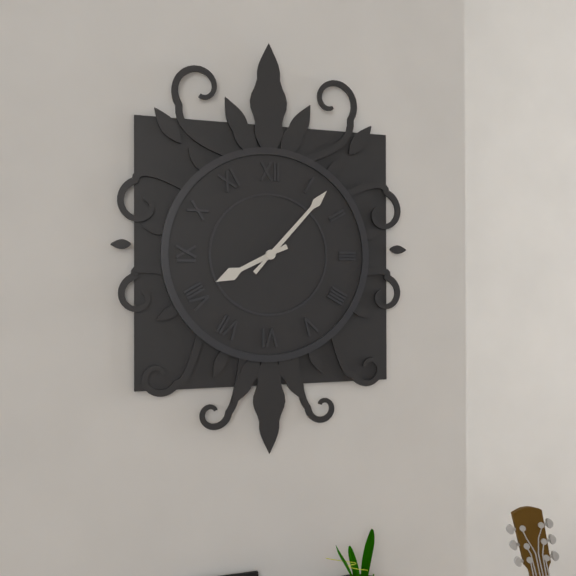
8:07
